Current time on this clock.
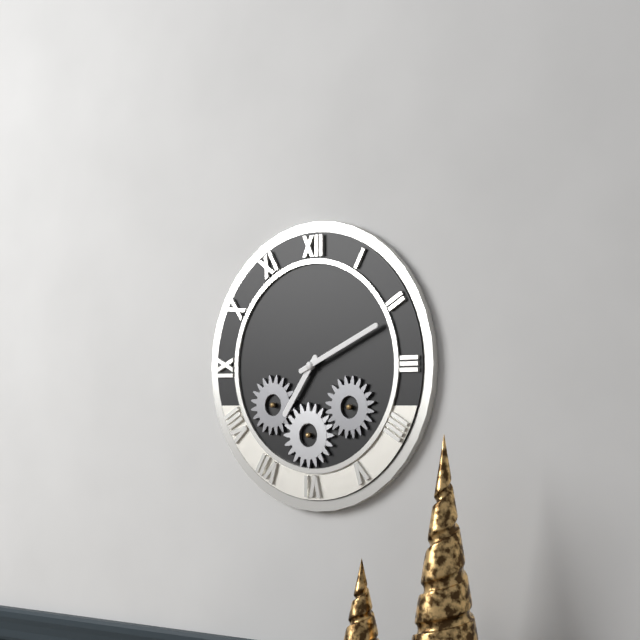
7:11
